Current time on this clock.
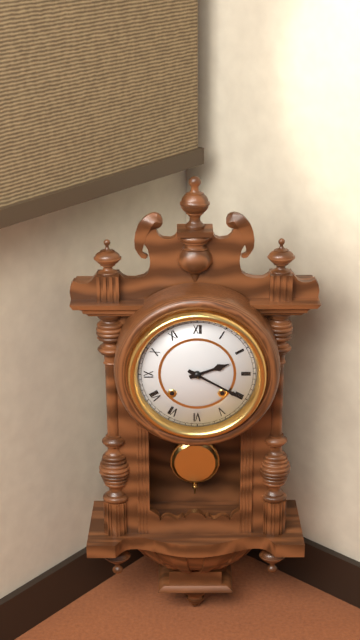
2:20
